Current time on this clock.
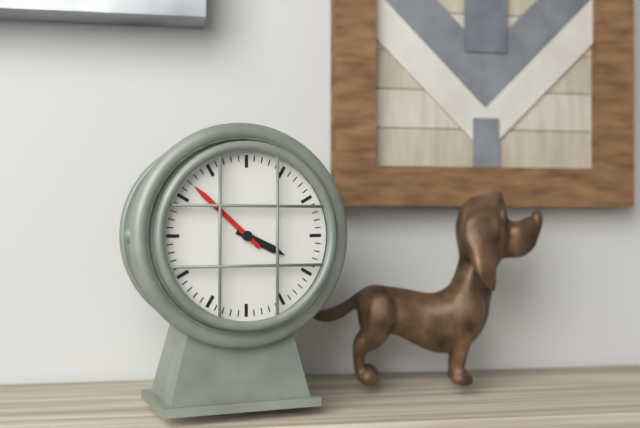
3:52
